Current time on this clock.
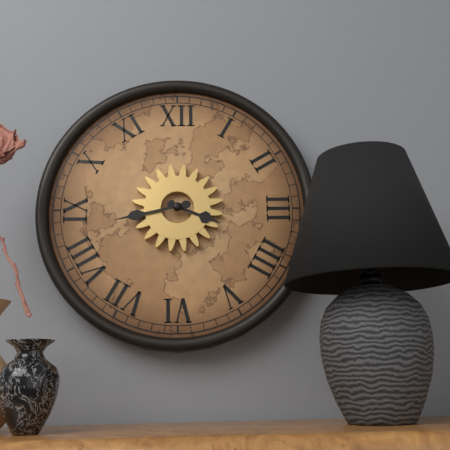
3:43
